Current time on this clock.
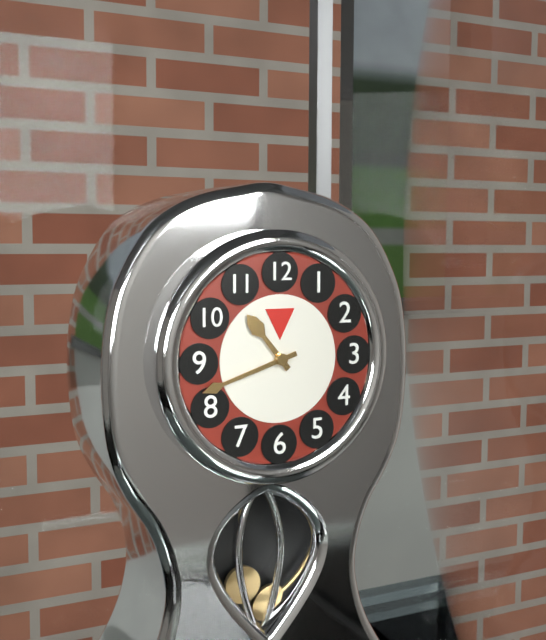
10:42
